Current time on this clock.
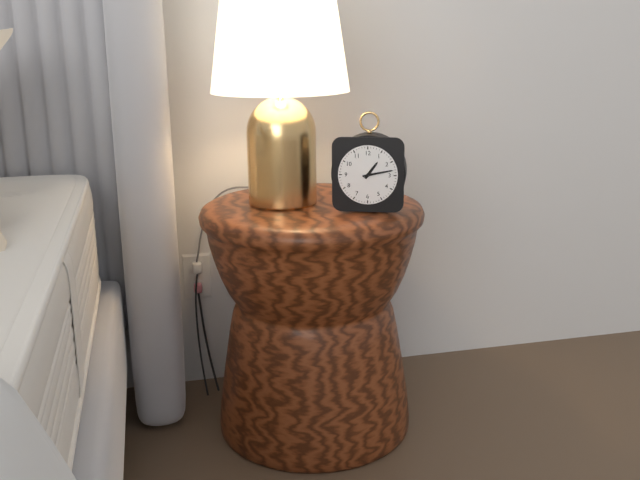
1:13
